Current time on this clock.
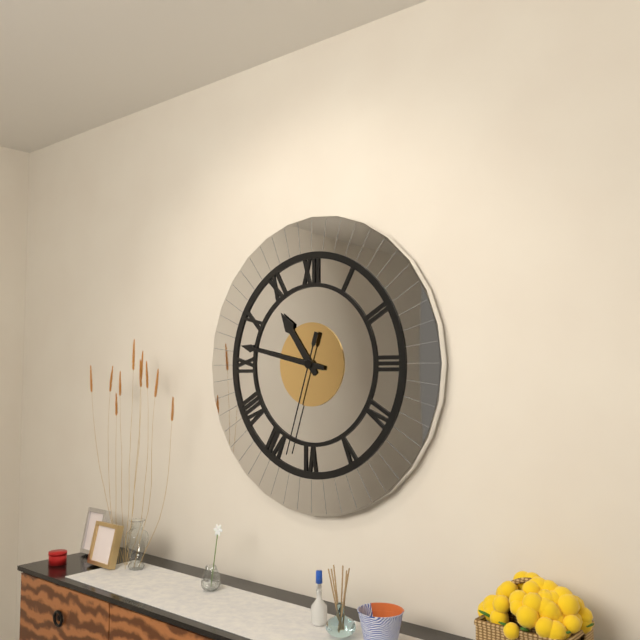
10:47:33
